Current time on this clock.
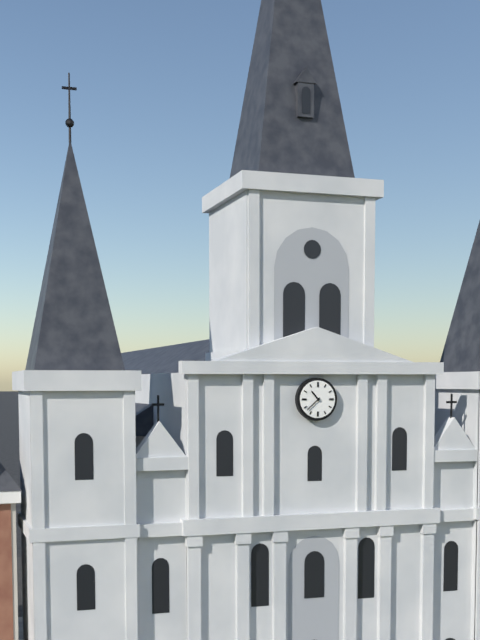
10:38
